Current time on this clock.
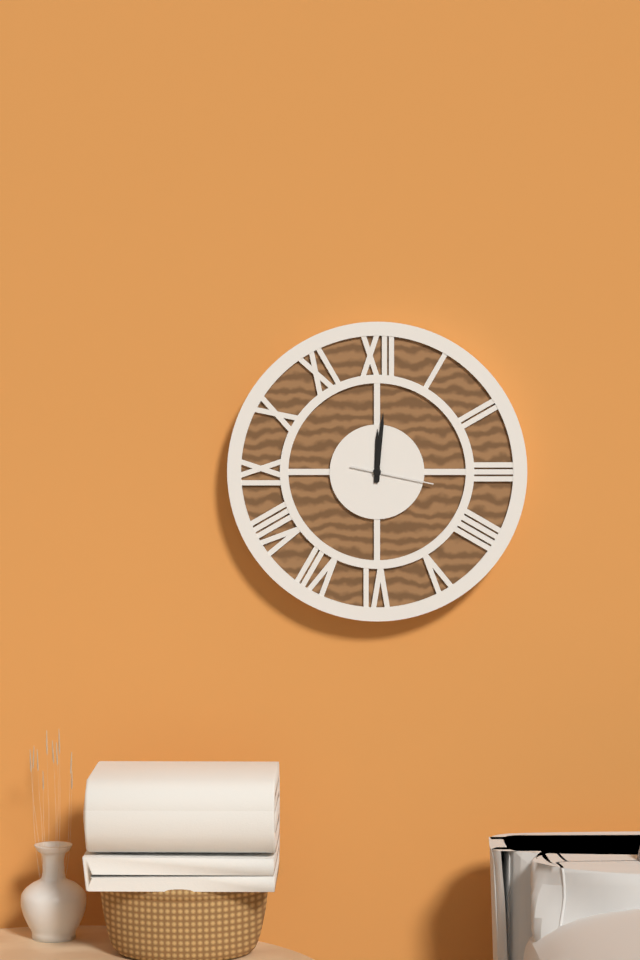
12:01:17
